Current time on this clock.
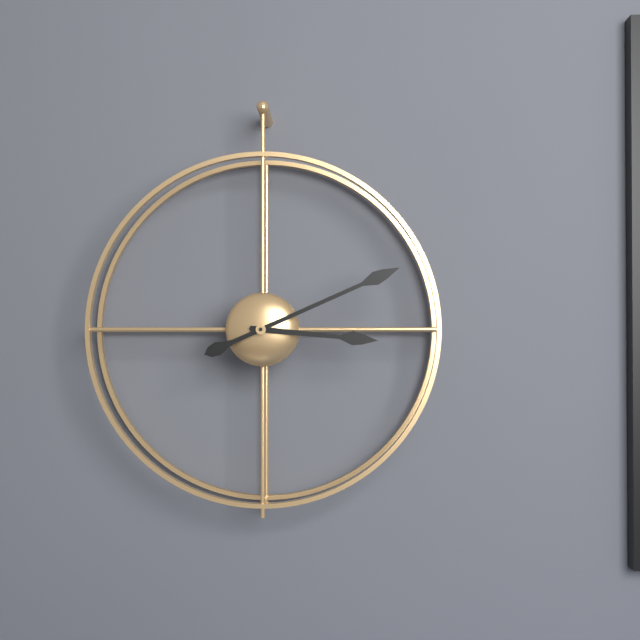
3:11
